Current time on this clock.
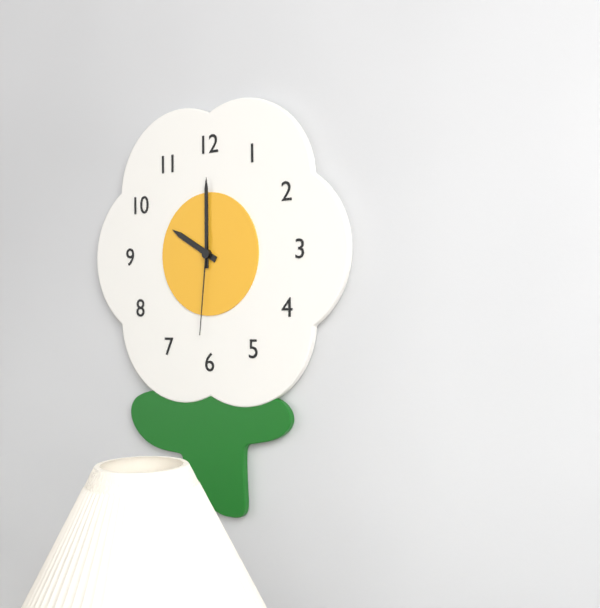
10:00:31
